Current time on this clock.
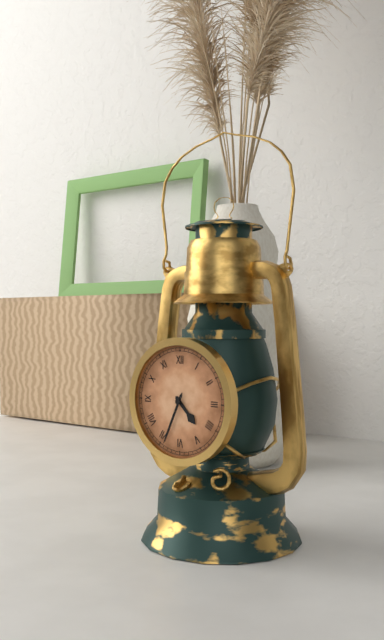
4:34
